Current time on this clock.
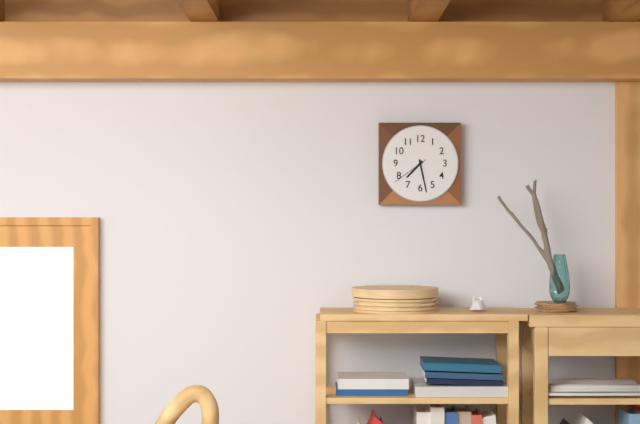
7:28
